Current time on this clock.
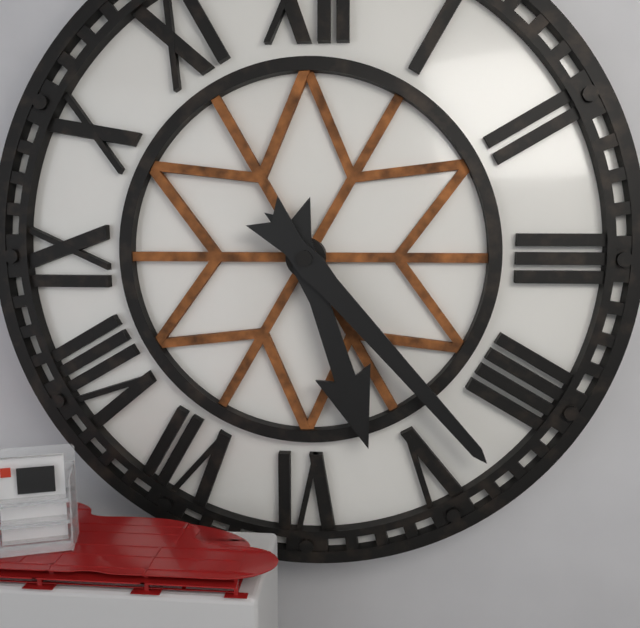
5:23
